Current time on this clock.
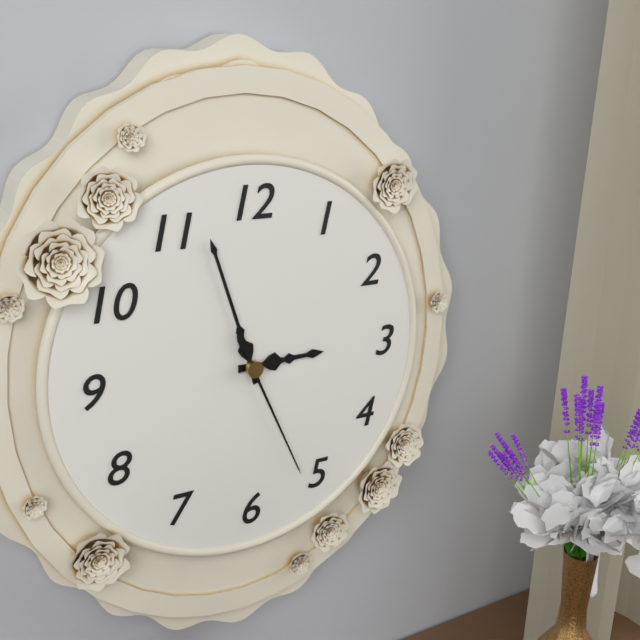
2:57:26
